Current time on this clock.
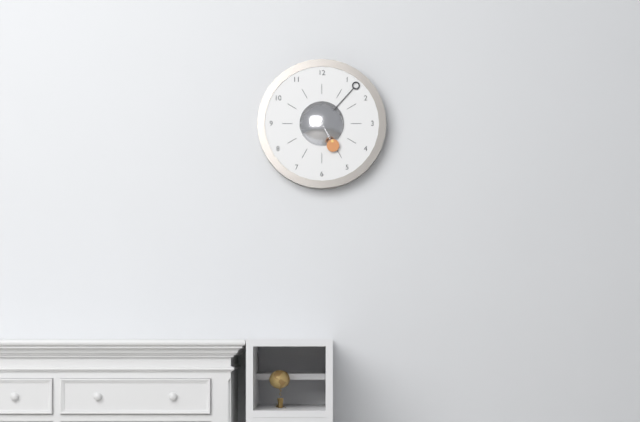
5:07
